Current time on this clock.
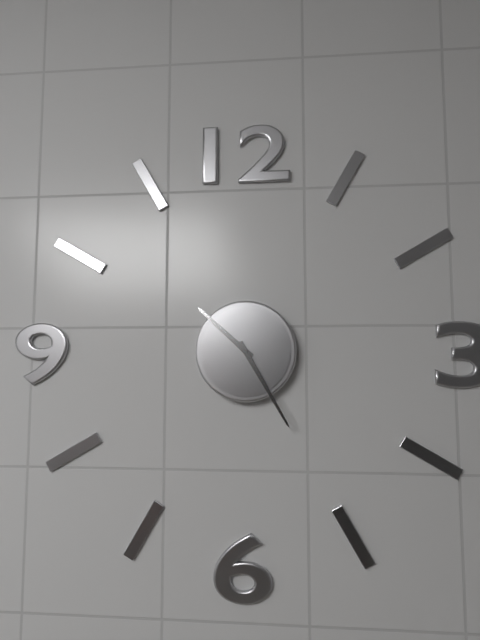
10:25
